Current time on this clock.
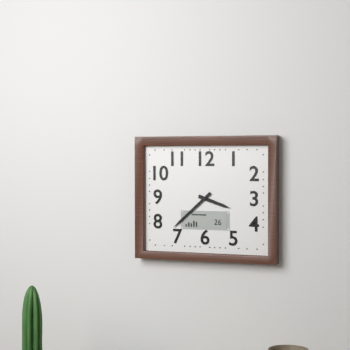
3:38
